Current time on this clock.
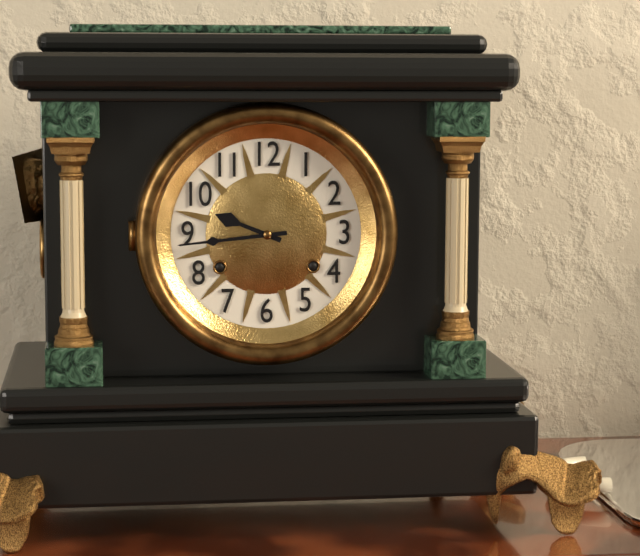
9:44
